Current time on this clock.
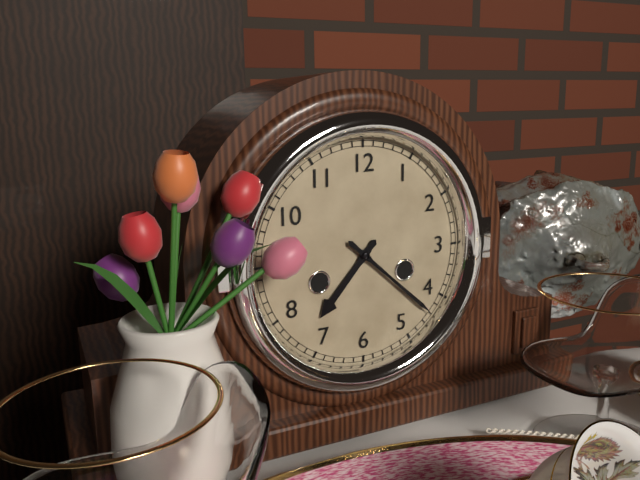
7:22
